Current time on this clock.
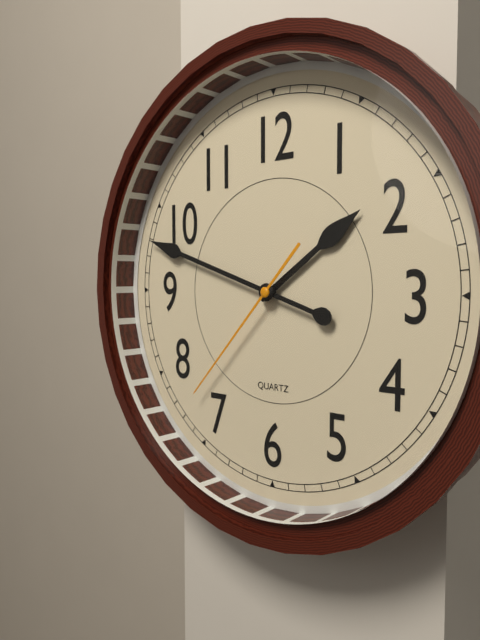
1:48:37
